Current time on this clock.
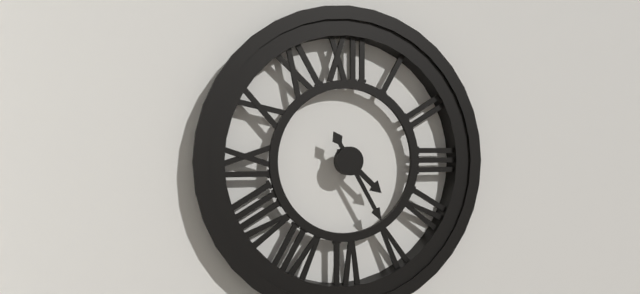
4:25
